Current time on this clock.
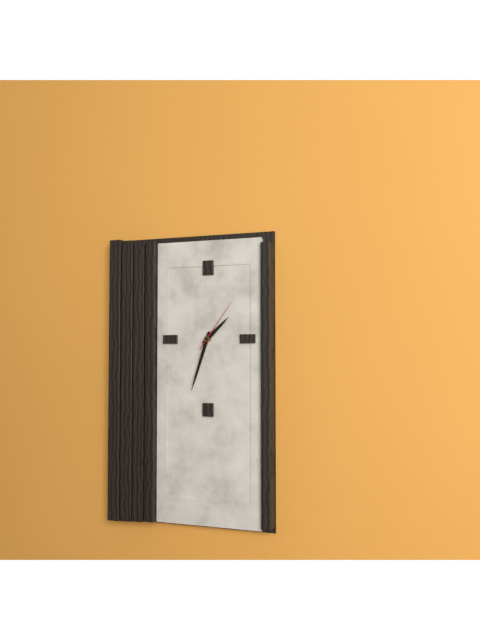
1:33:06
